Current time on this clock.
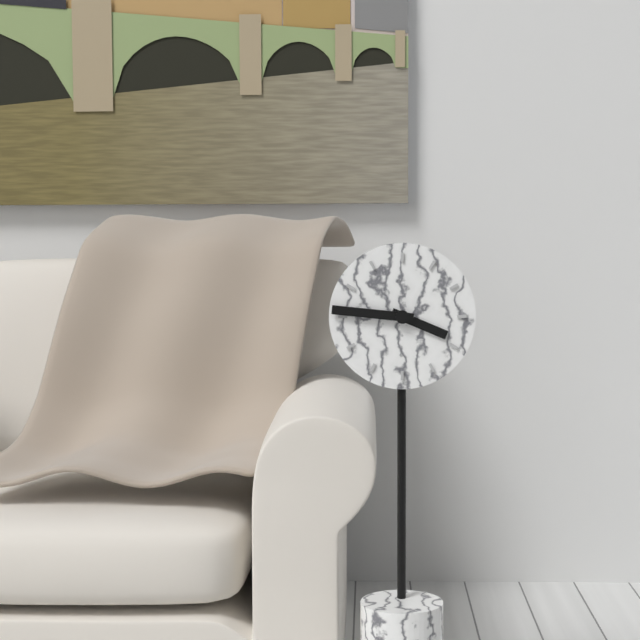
3:46
